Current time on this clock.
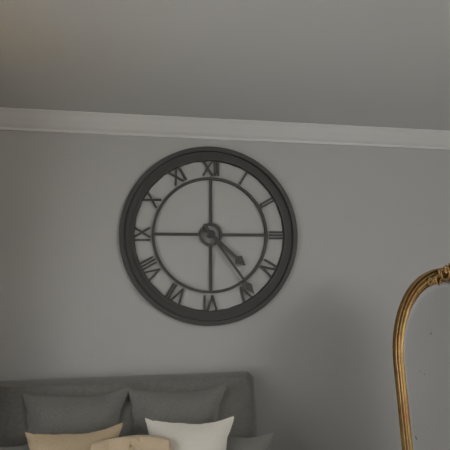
4:24
